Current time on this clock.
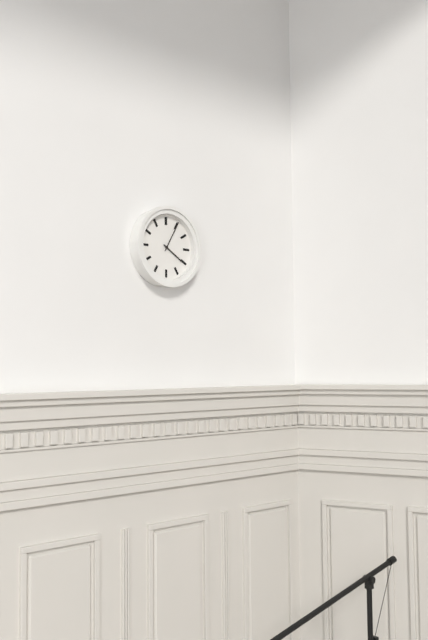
4:05
